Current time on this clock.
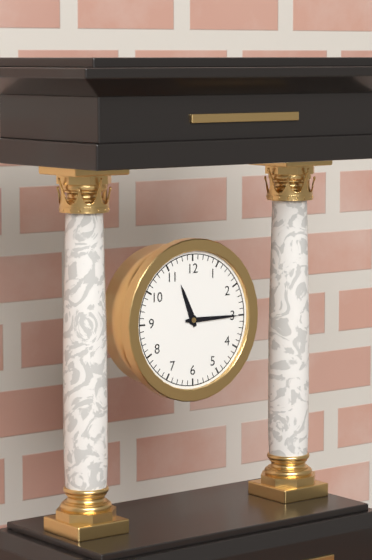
11:15
